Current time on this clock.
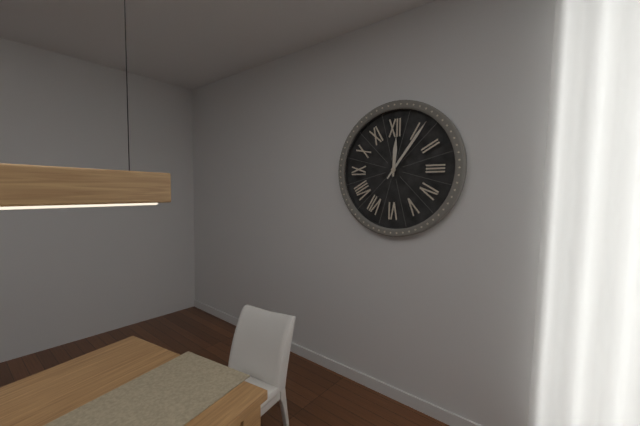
12:06
